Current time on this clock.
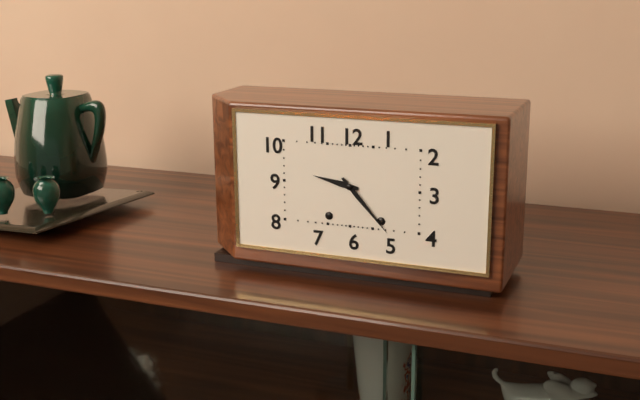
9:23
